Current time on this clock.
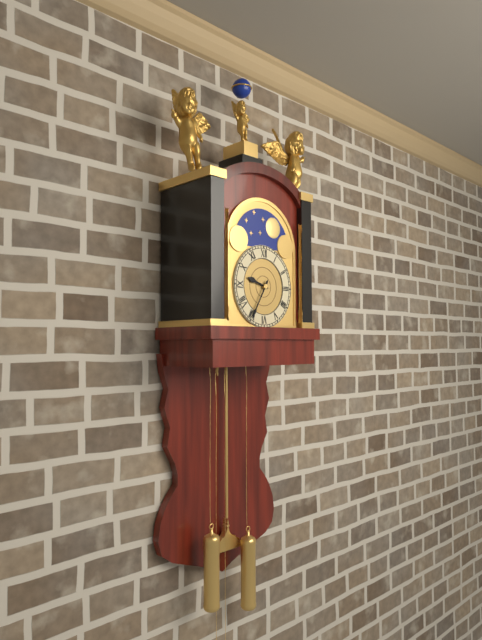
9:35
